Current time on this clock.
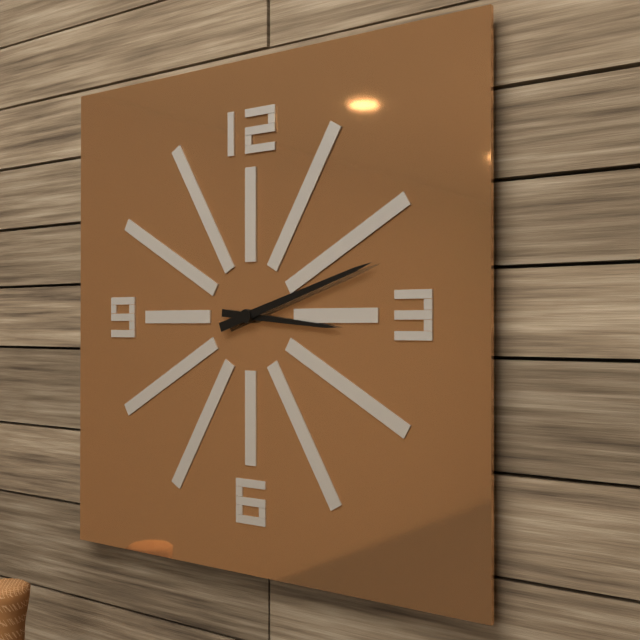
3:12
